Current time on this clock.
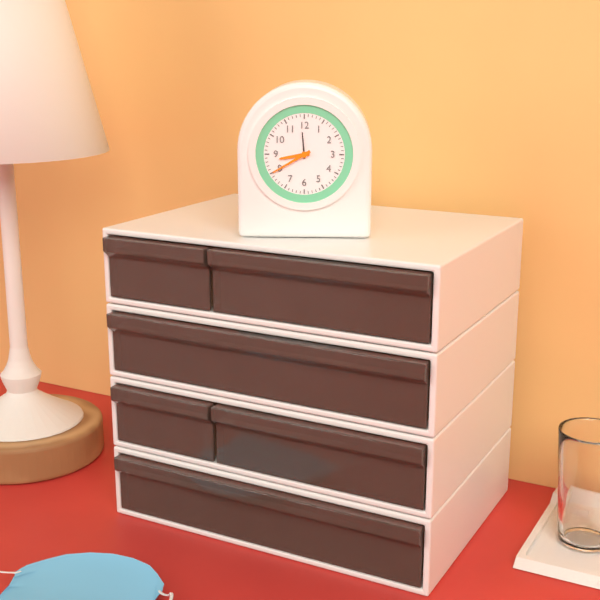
8:40
